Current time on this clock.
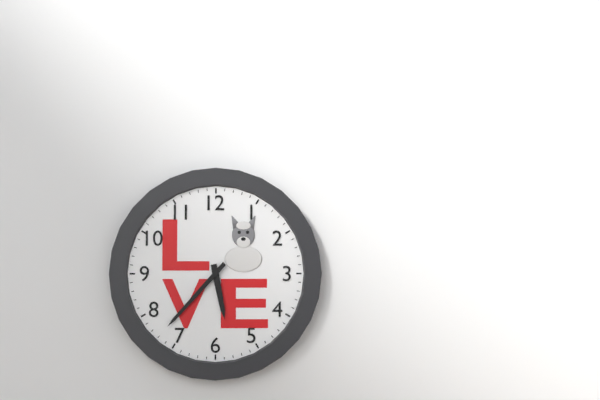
5:37
